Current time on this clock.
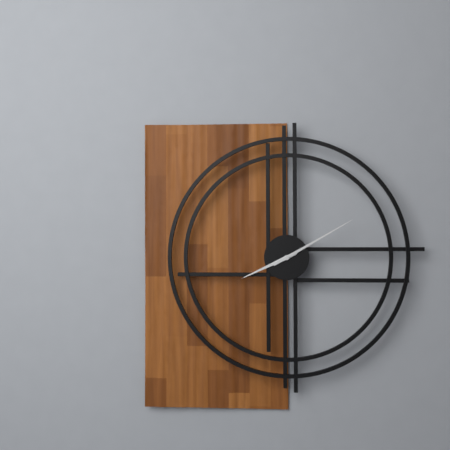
8:10
